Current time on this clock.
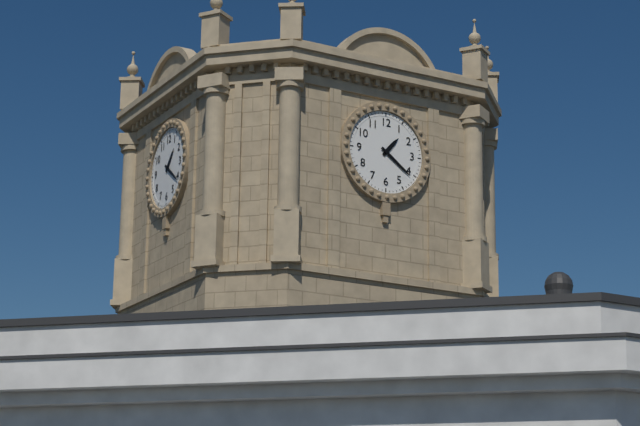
1:21
